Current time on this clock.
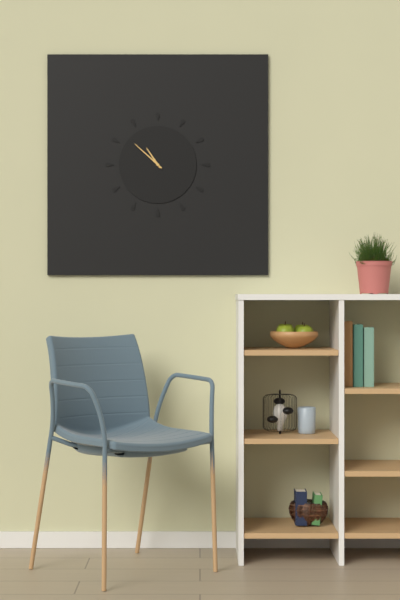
10:52
